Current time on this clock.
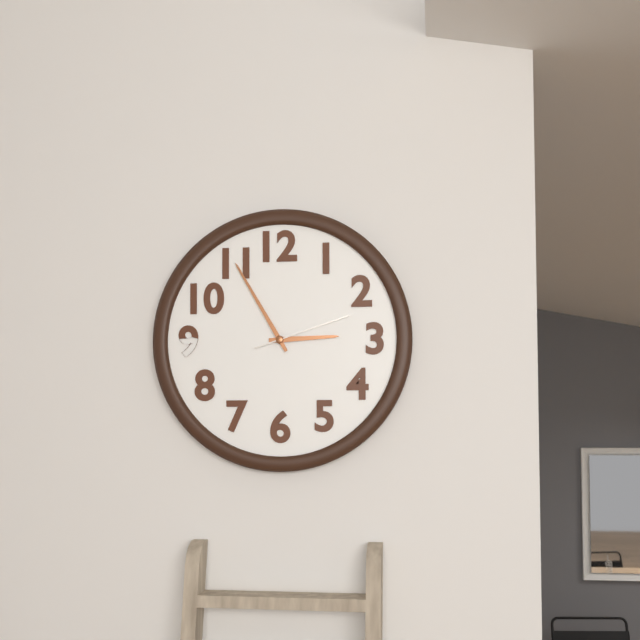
2:55:12
